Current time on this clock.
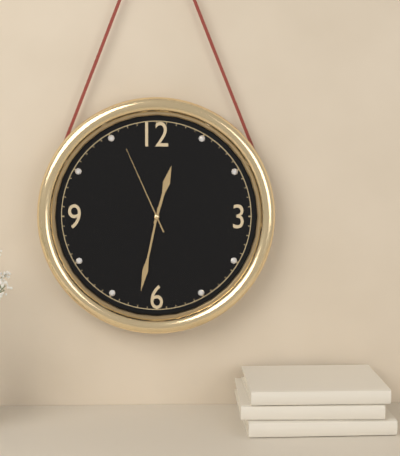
12:32:56
